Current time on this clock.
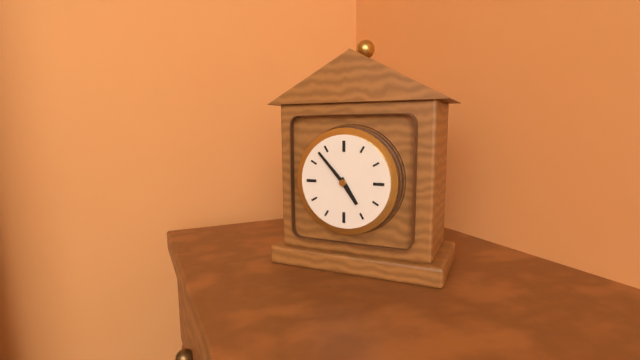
4:53
